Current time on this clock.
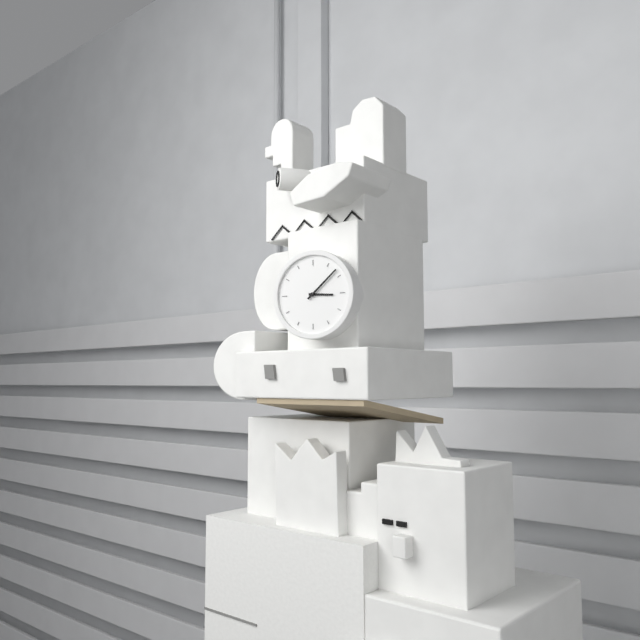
3:08
